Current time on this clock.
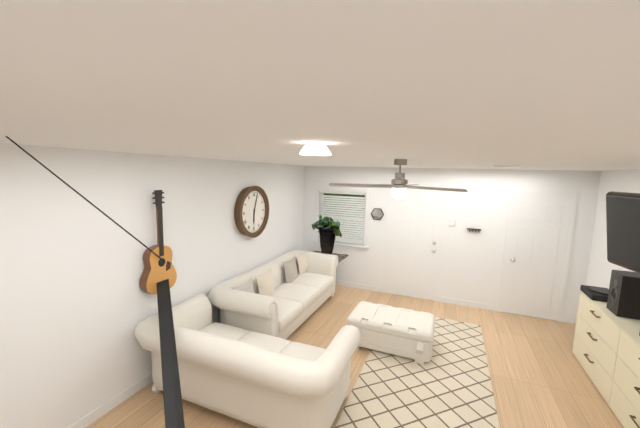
6:03
